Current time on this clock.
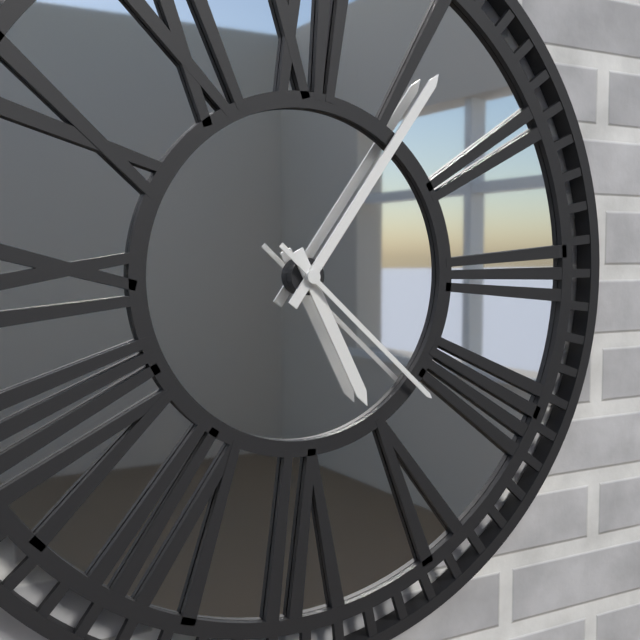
5:06:22
